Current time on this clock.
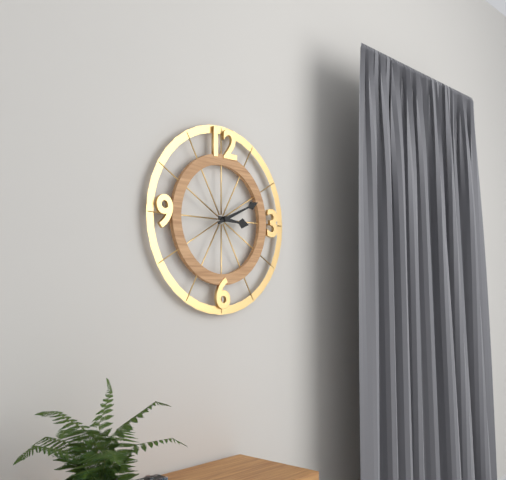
3:11
